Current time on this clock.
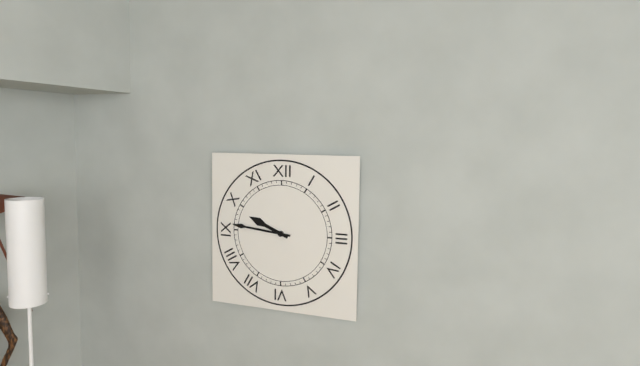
9:46
